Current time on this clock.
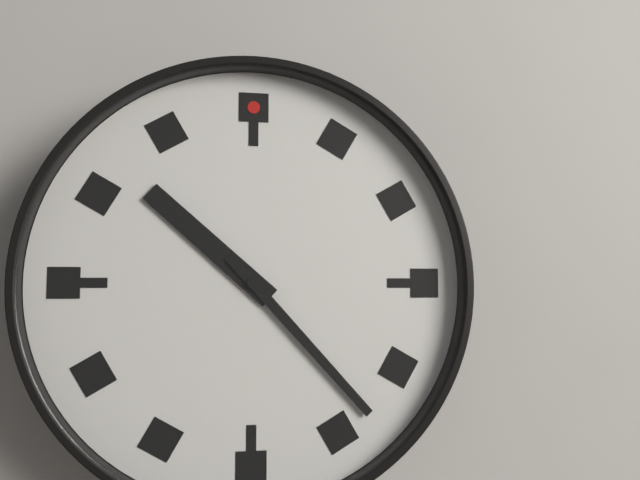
10:23
